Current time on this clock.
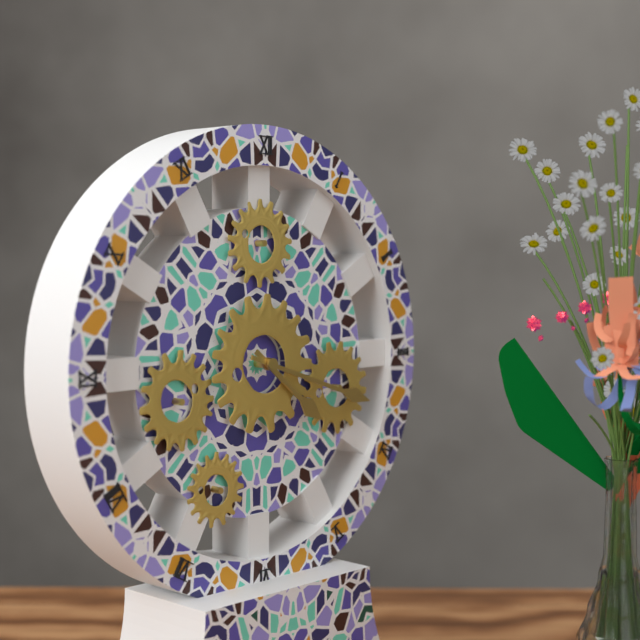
4:18
